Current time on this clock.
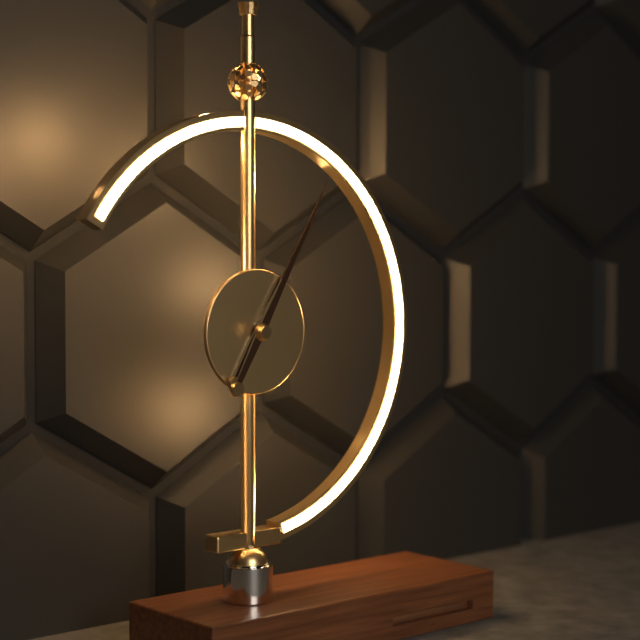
1:05
